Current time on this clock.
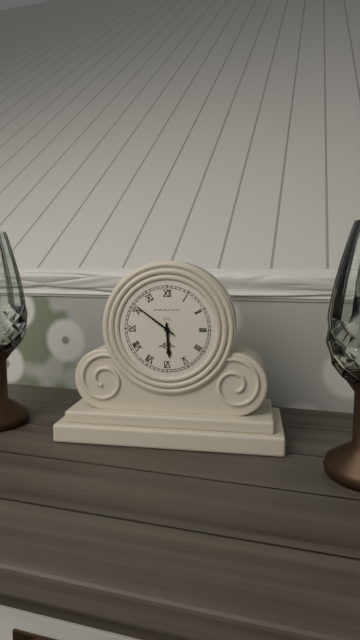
5:51
